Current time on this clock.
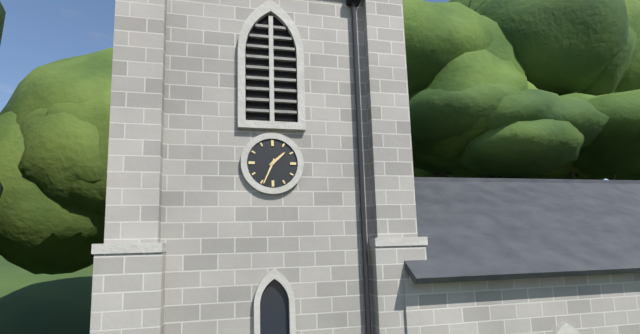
1:34
